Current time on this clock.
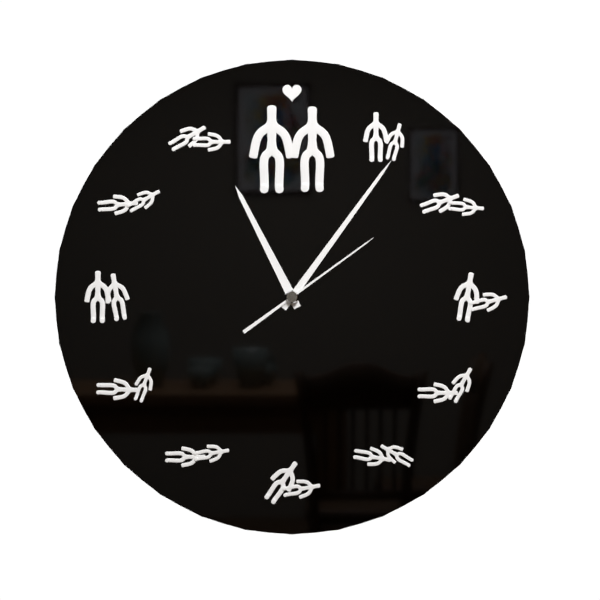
11:06:09
